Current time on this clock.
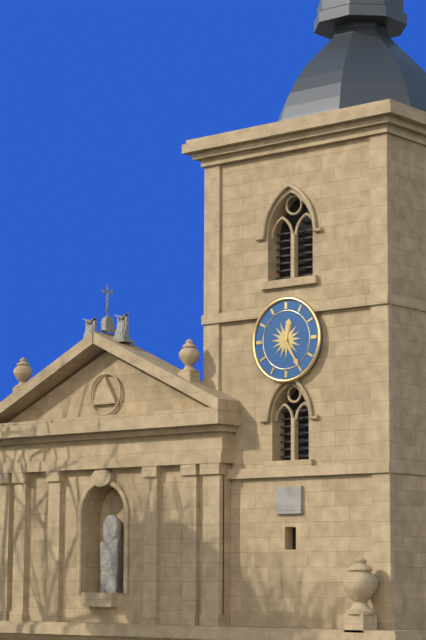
12:25
